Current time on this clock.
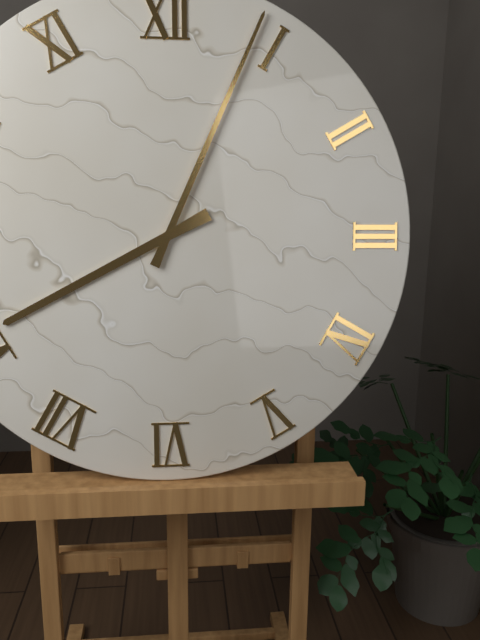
8:04
